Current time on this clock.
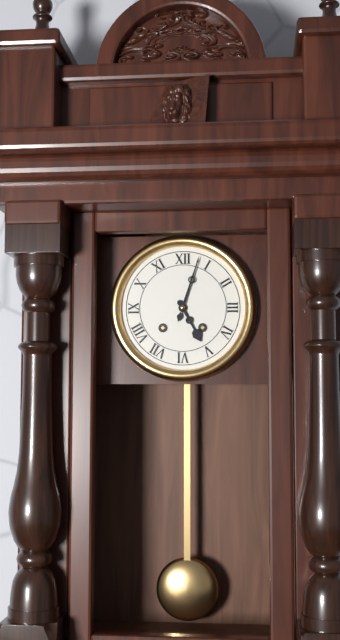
5:03
